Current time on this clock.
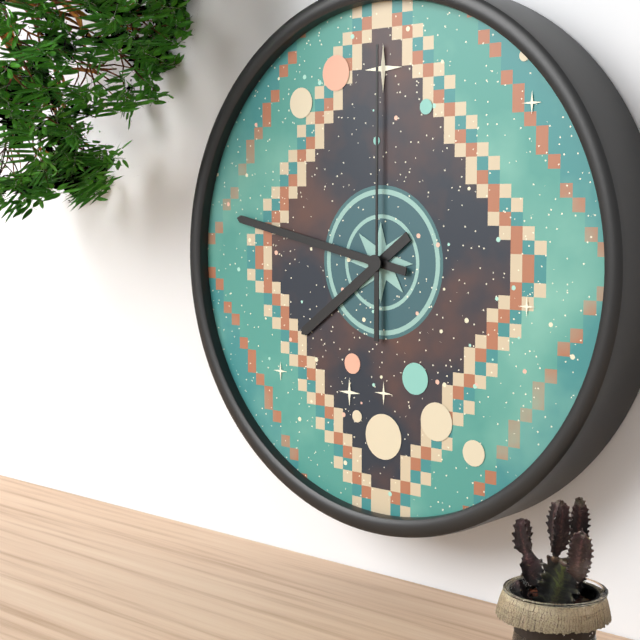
7:47:00
